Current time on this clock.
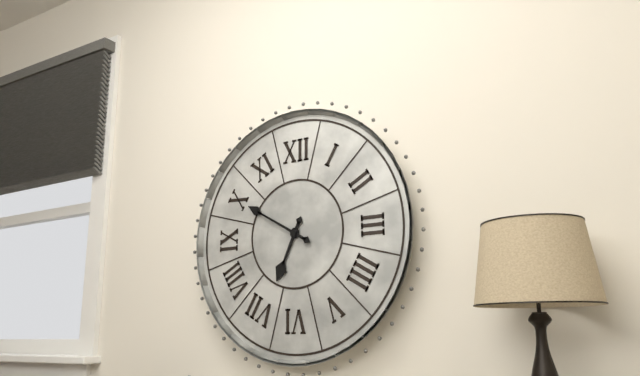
6:50
